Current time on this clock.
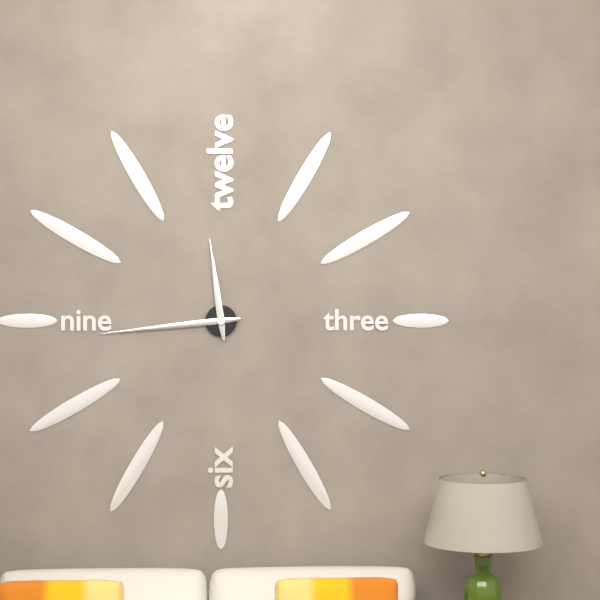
11:44
